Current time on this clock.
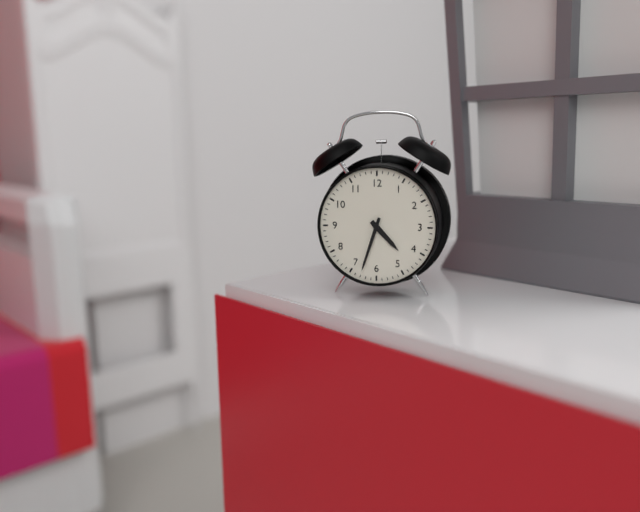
4:33
